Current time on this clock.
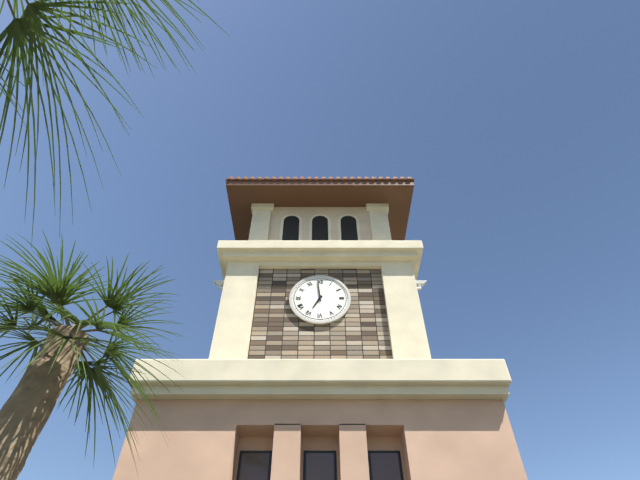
6:59
